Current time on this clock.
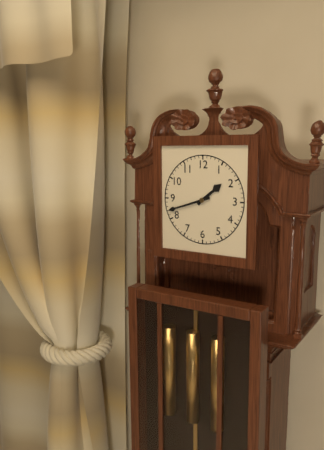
1:42
